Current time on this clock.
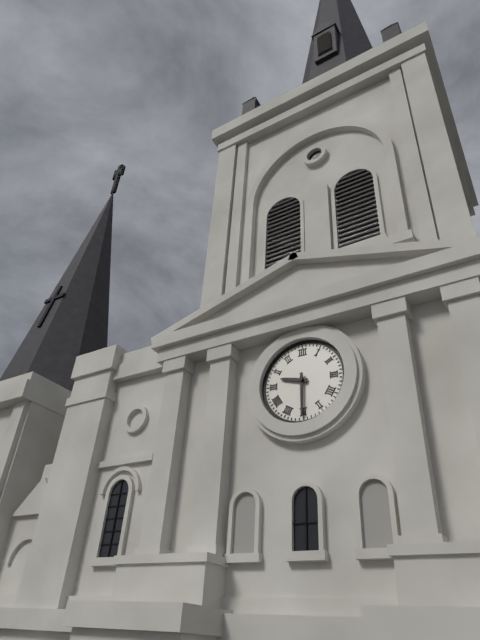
9:30
